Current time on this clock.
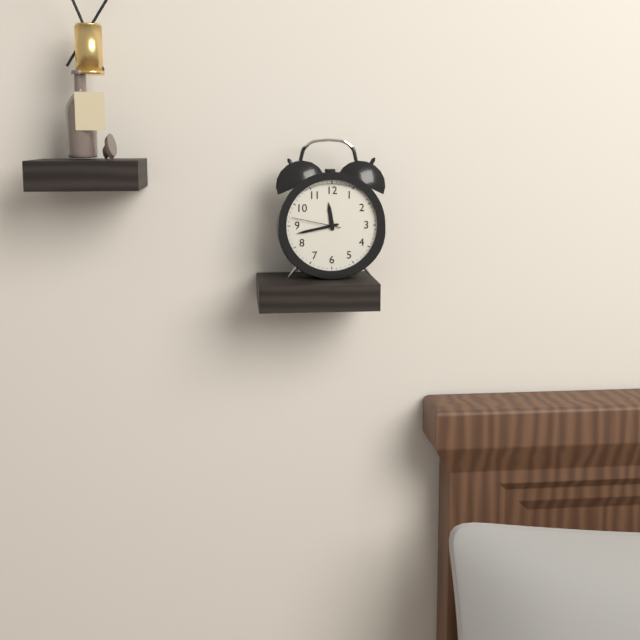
11:43:47
